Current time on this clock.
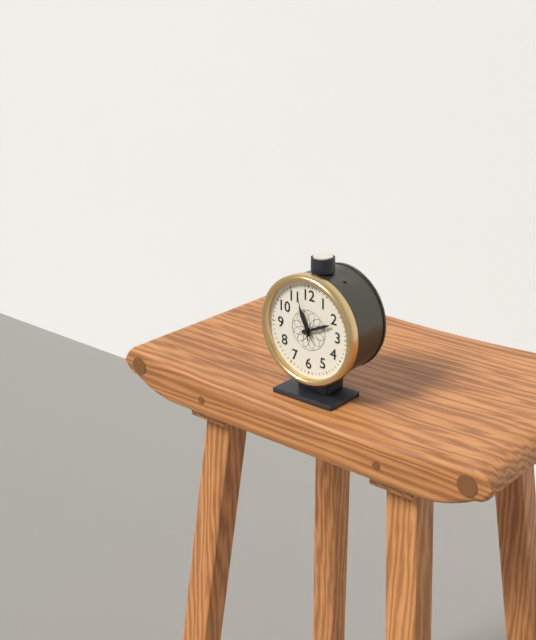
11:11
